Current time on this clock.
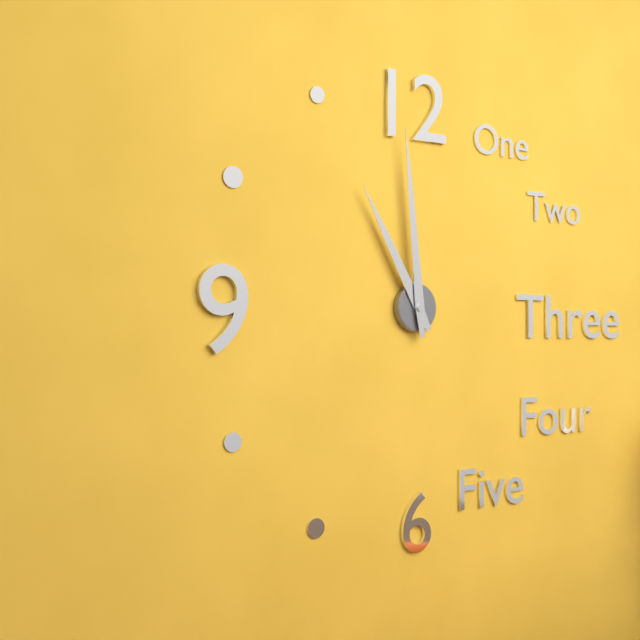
10:59
